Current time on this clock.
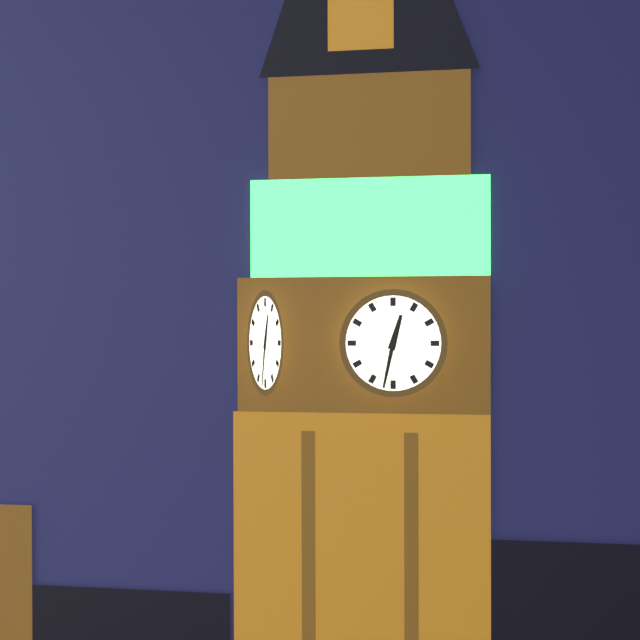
12:32
